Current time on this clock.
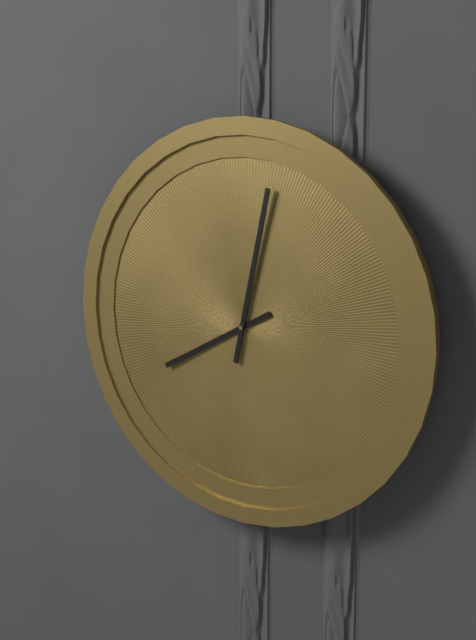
8:02
